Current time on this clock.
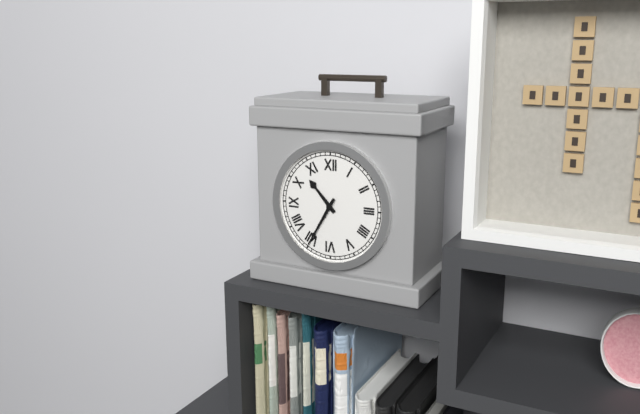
10:35
